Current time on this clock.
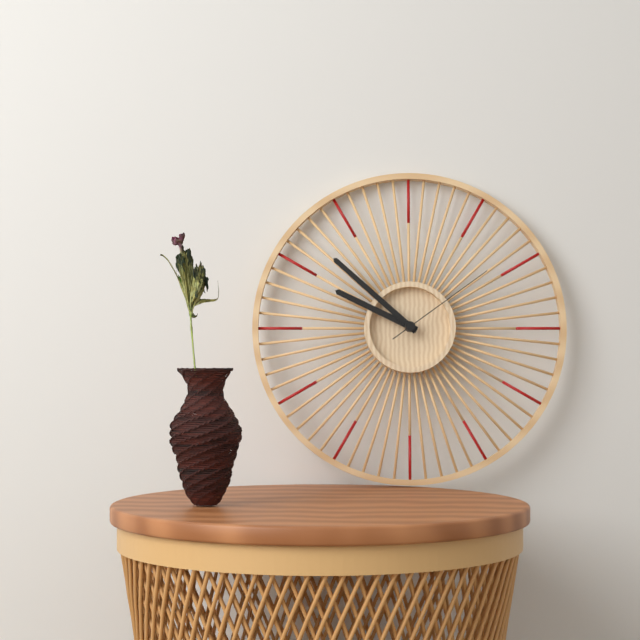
9:52:09
